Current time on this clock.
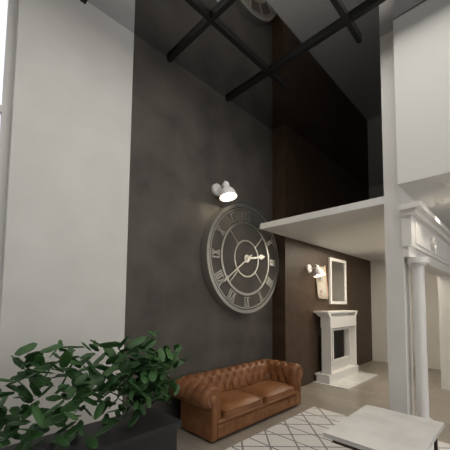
2:39
